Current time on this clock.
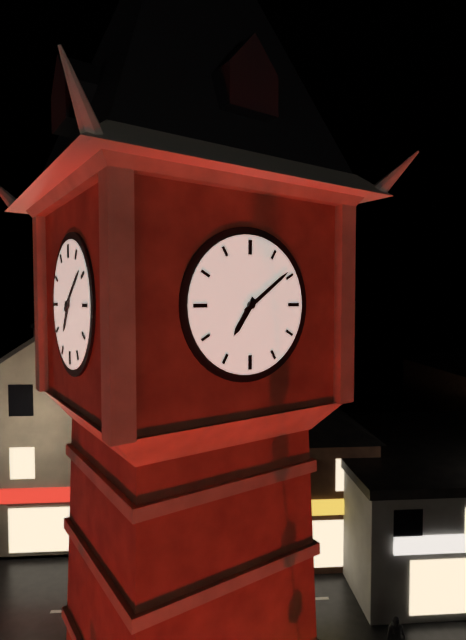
7:09
